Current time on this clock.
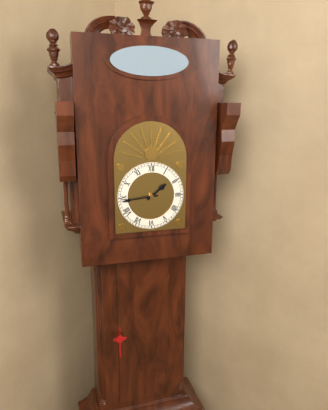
1:44
